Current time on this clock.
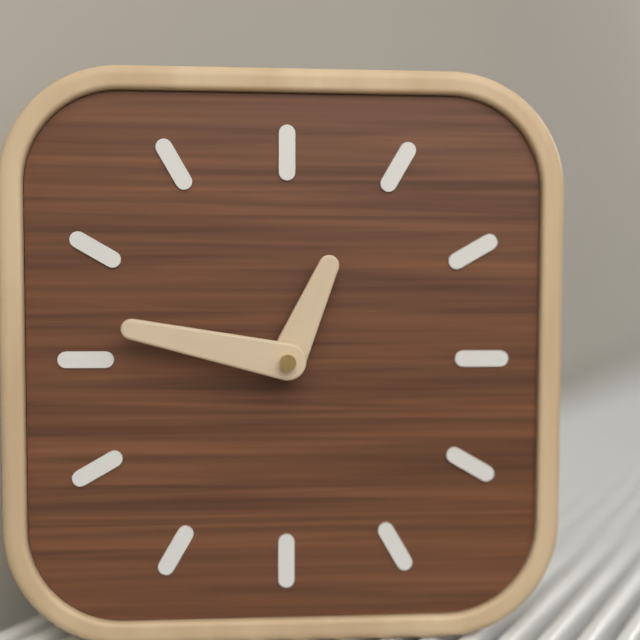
12:47
